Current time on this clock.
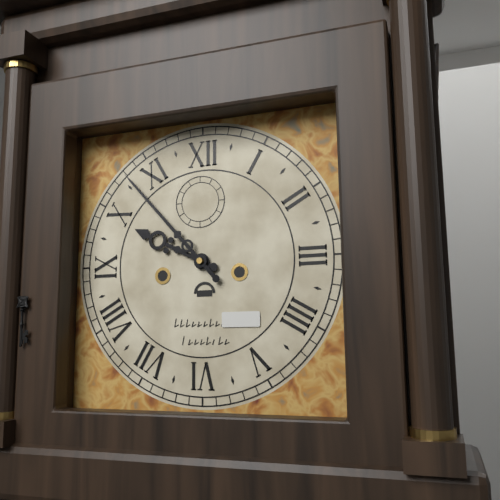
9:53
